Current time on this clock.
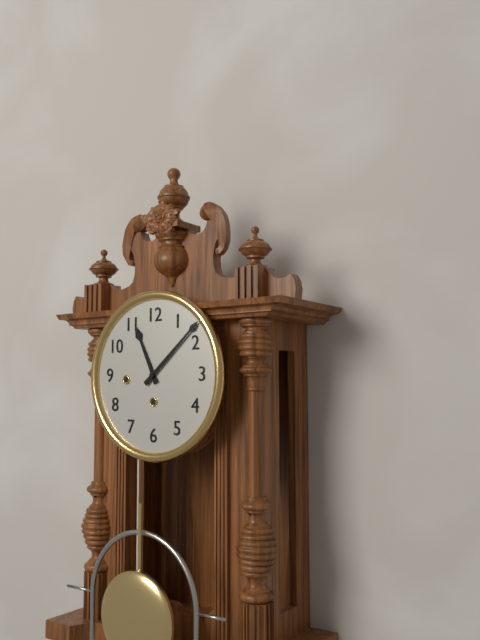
11:08
